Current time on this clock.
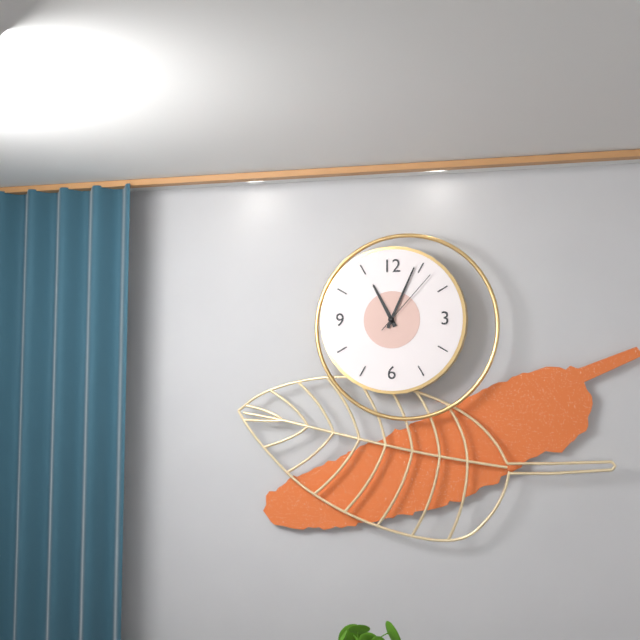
11:04:07
